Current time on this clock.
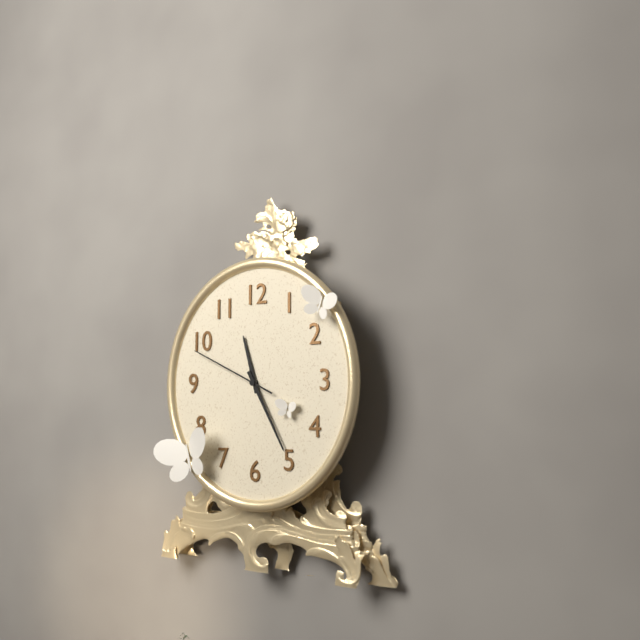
11:25:49
